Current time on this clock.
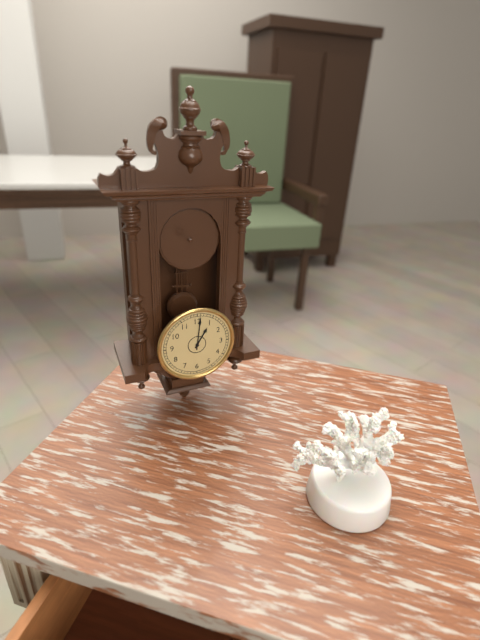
1:01
